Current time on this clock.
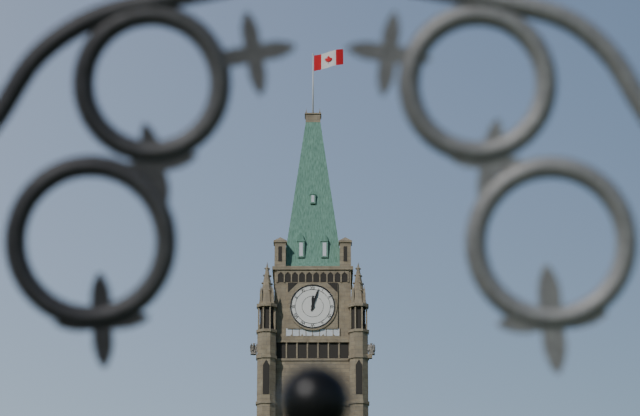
12:03
